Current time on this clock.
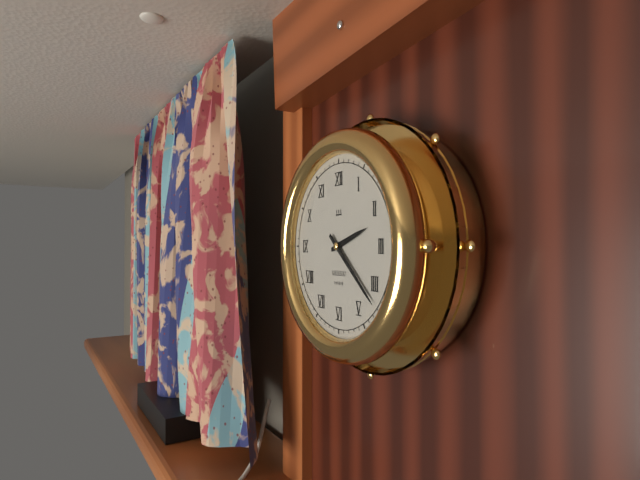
2:22
